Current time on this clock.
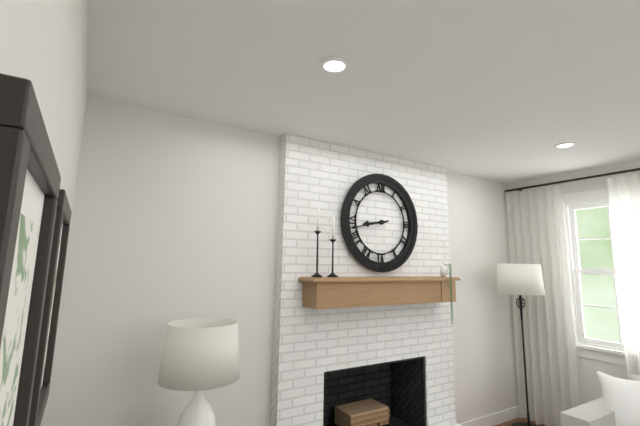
8:43
